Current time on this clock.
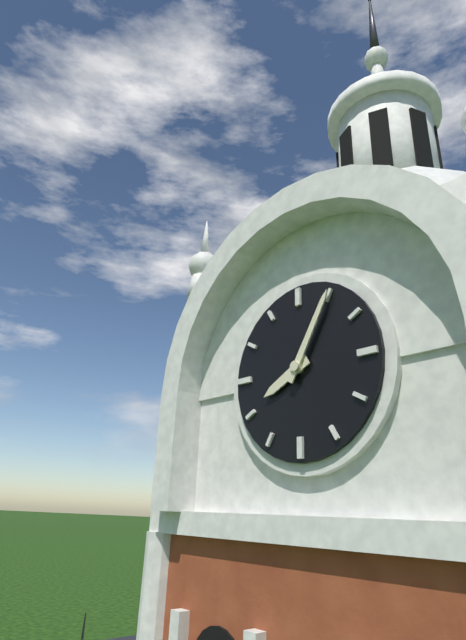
8:05
